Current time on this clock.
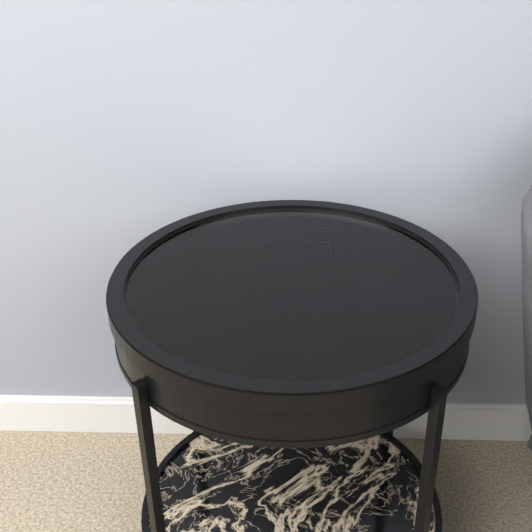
6:08
